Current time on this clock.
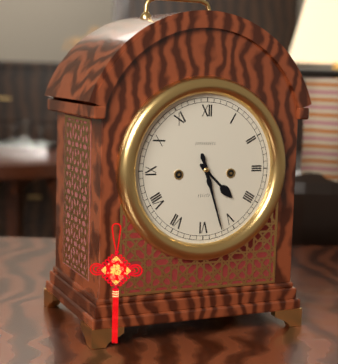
4:27
